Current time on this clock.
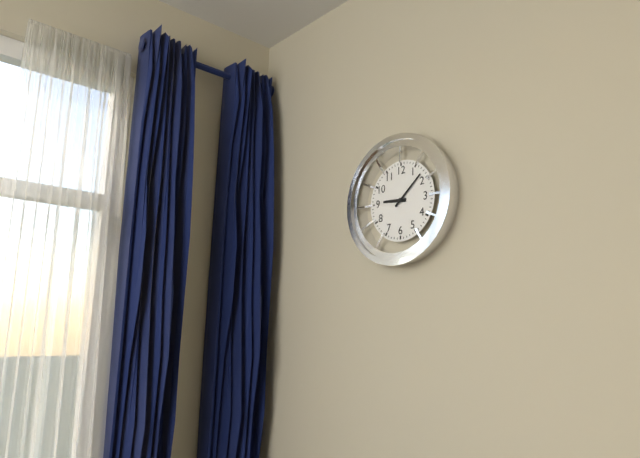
9:08
